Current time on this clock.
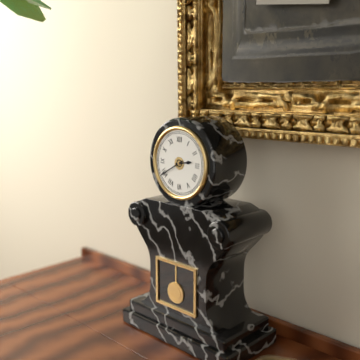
2:40
